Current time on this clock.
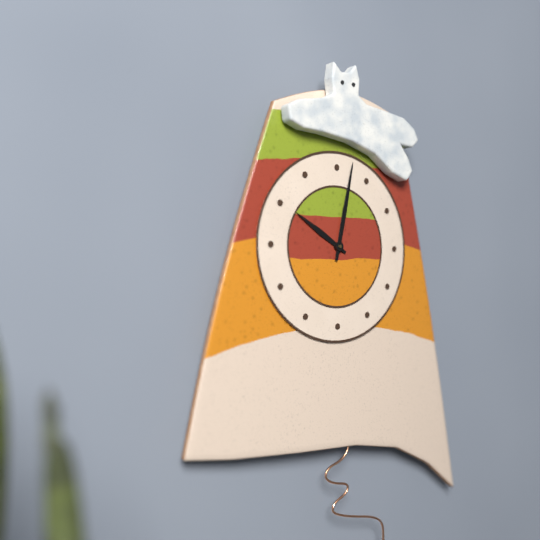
10:02
